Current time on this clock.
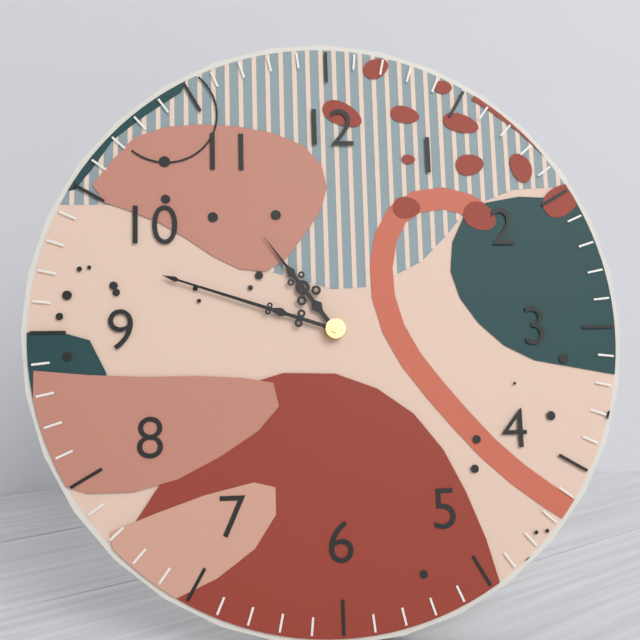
10:48
